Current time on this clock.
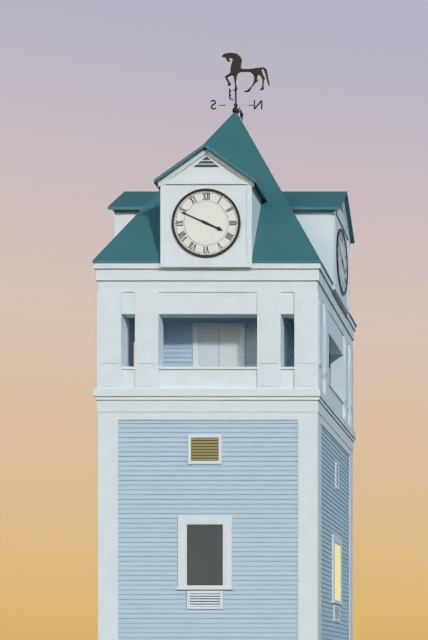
3:49
